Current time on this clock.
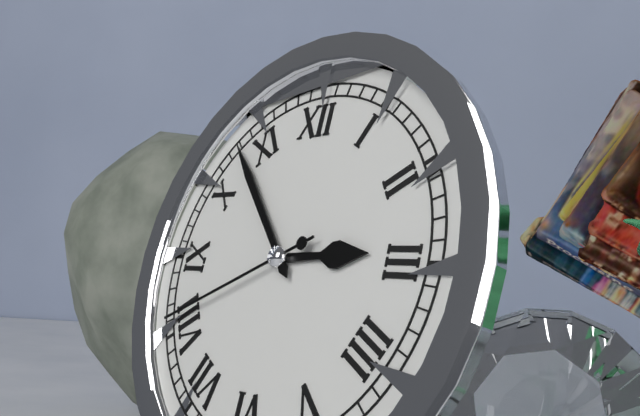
2:53:41
